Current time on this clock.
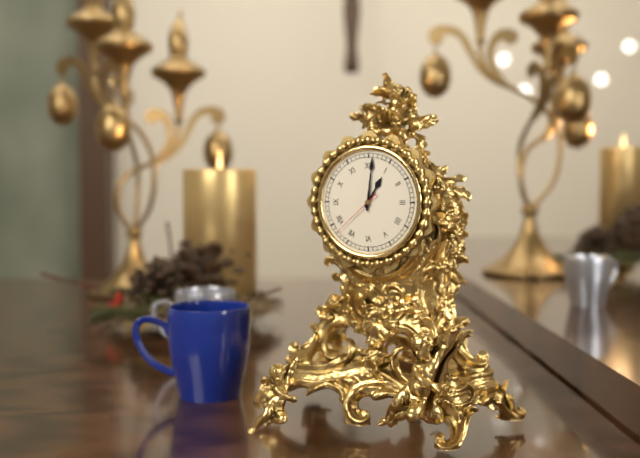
1:01:38
